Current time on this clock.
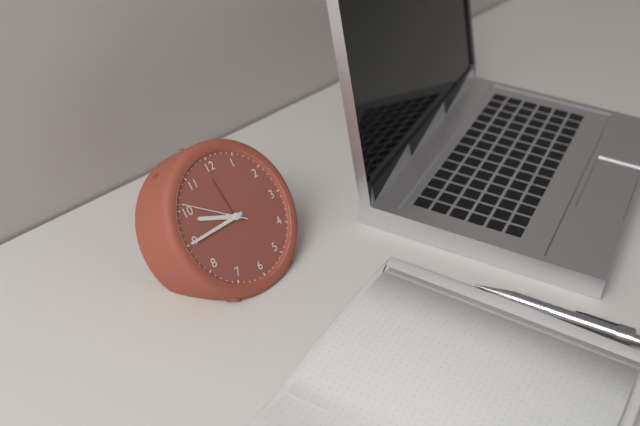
9:45:51
